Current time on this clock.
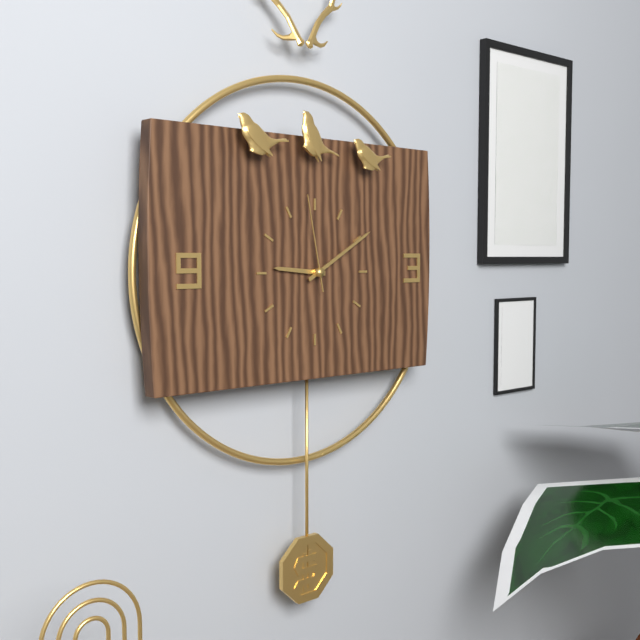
9:10:58
